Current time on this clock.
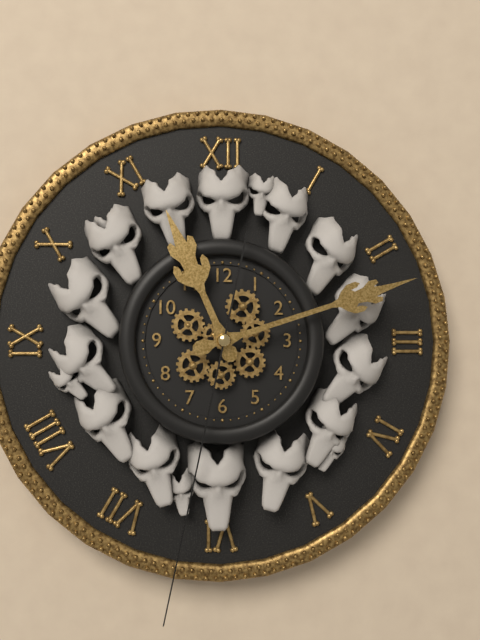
11:12:32
